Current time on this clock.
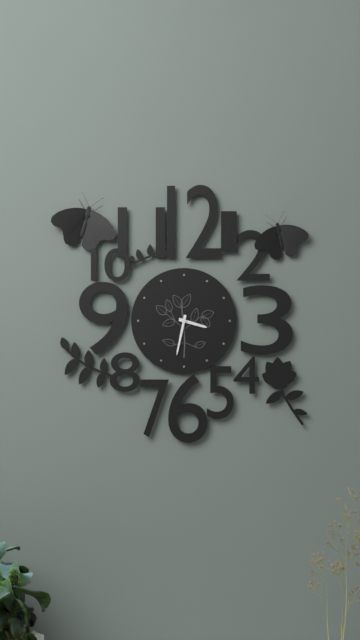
3:32
